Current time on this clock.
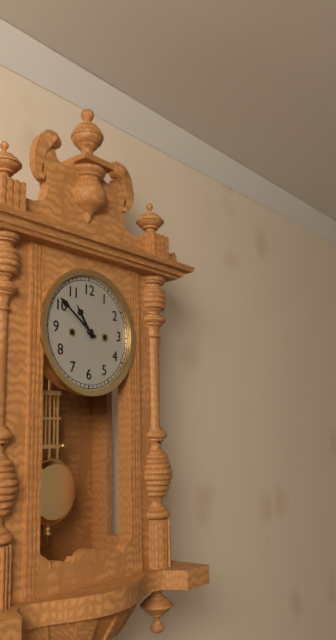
10:51
